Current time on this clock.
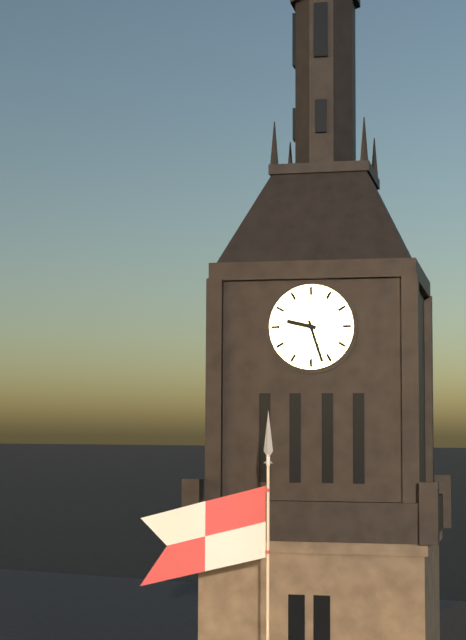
9:27
